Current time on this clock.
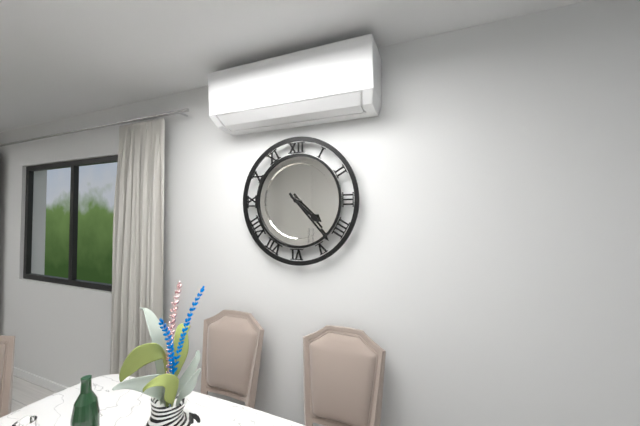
4:23
